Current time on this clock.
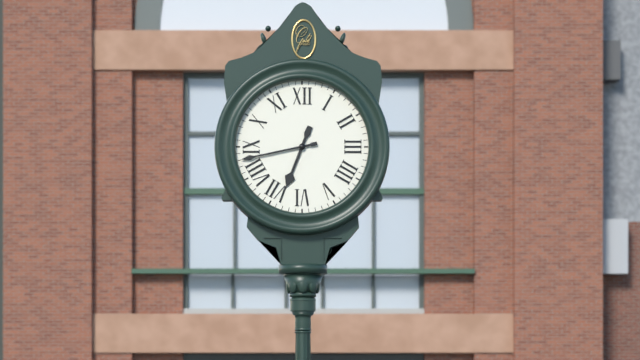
6:43
